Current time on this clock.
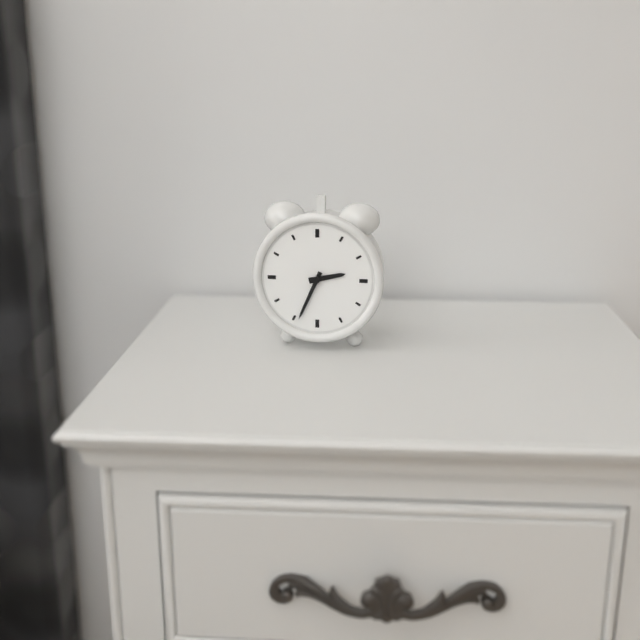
2:34
